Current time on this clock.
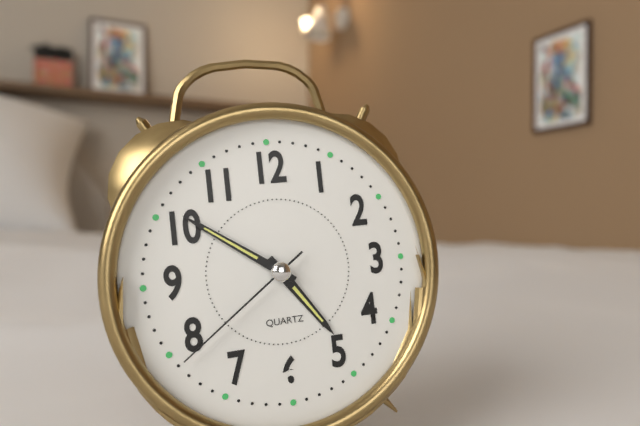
4:51:39
